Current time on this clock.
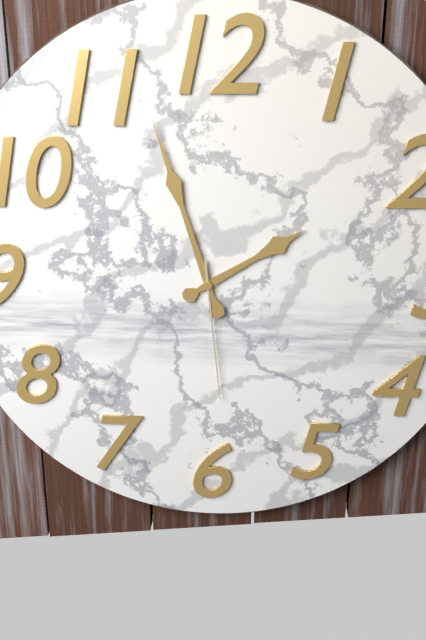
1:57:29
